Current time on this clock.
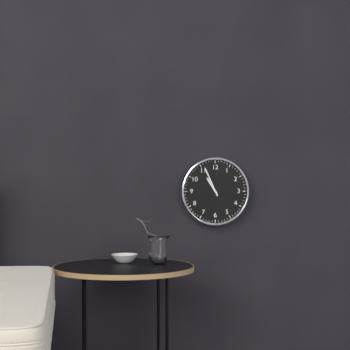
10:56
